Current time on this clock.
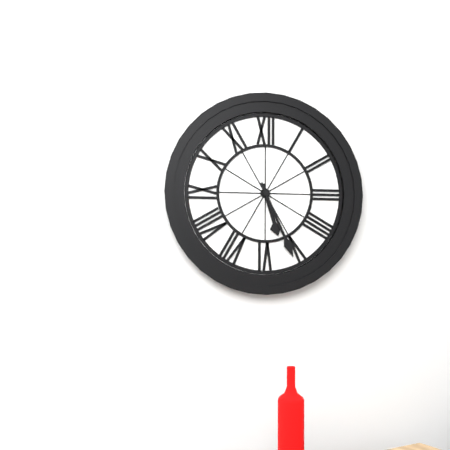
5:26
